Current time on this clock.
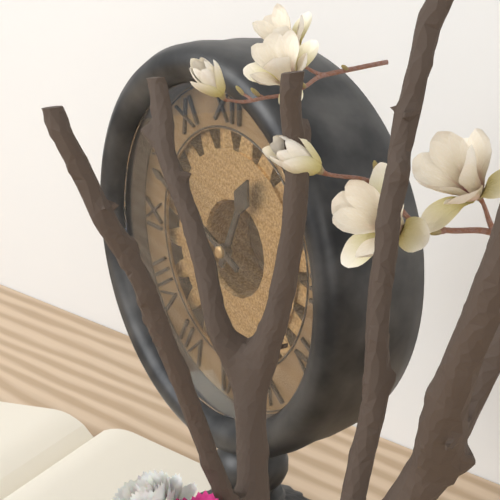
12:49
